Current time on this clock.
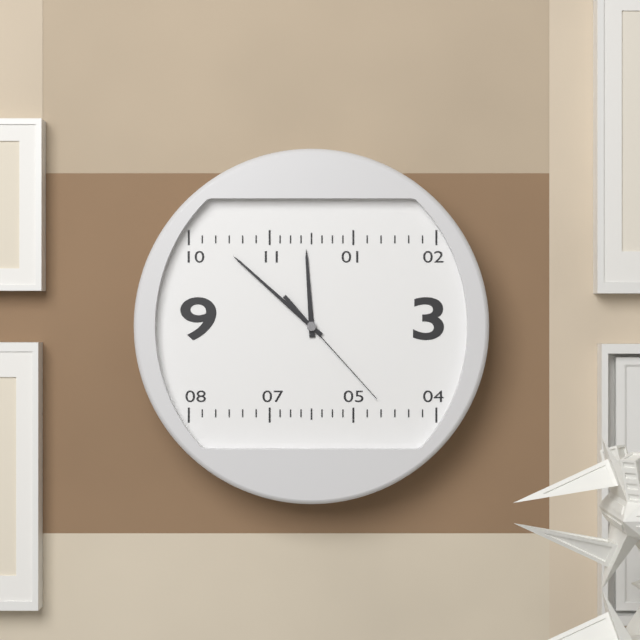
11:52:23
